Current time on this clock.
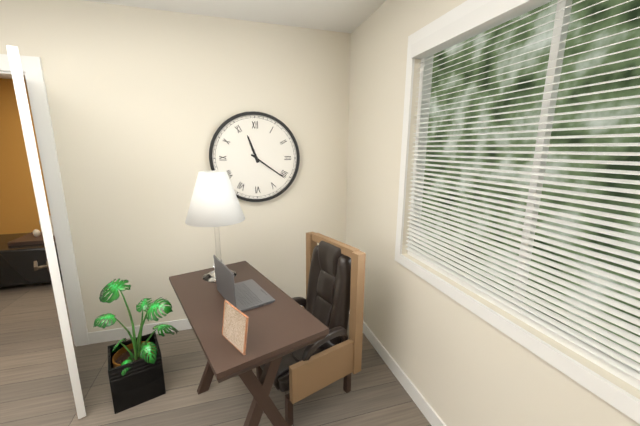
11:21
